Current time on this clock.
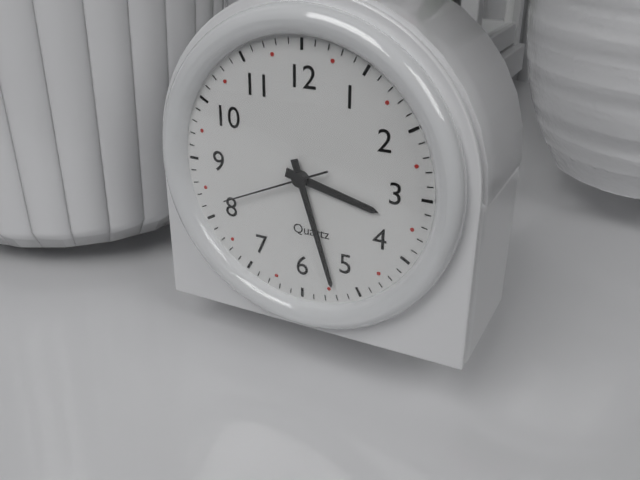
3:27:41
